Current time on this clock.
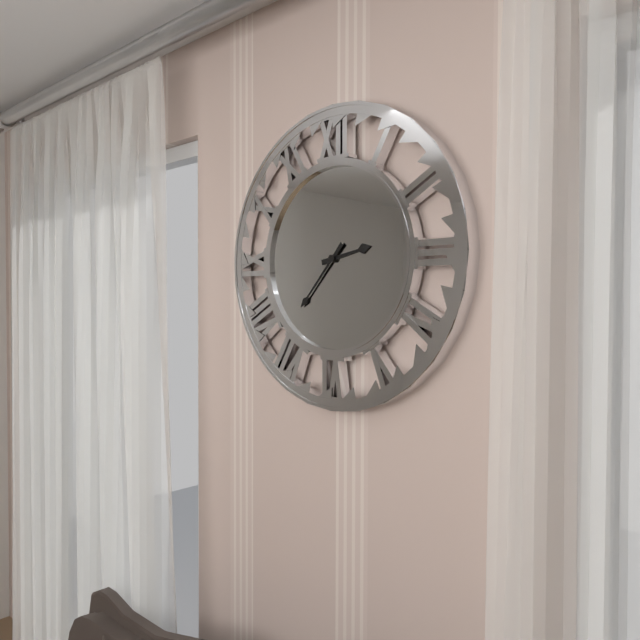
2:37
